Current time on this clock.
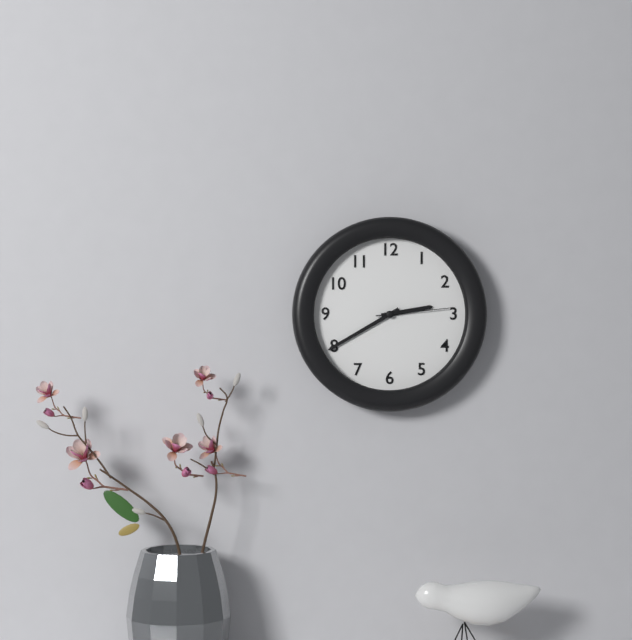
2:40:14
